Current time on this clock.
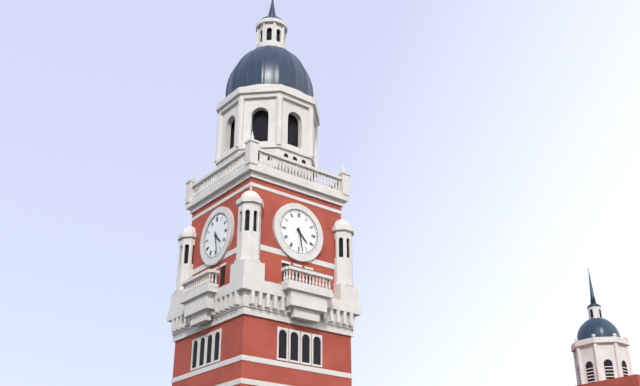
4:28
